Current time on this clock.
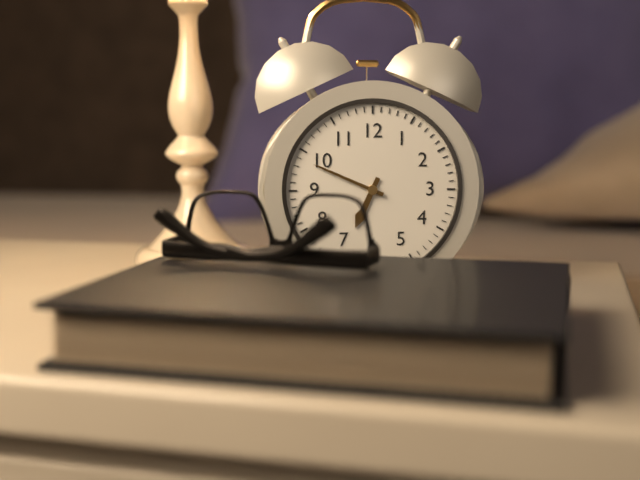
6:49
